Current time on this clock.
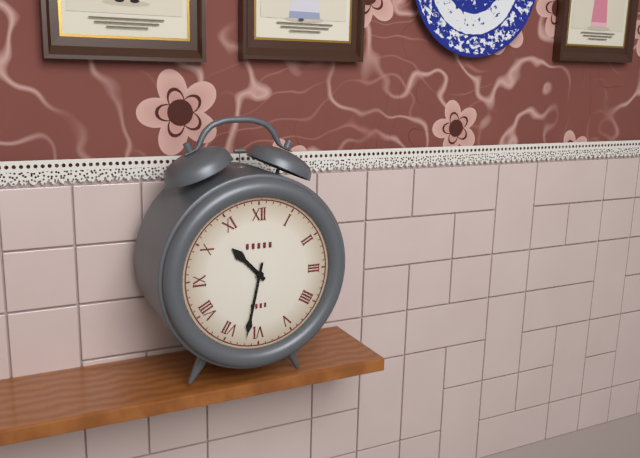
10:32
